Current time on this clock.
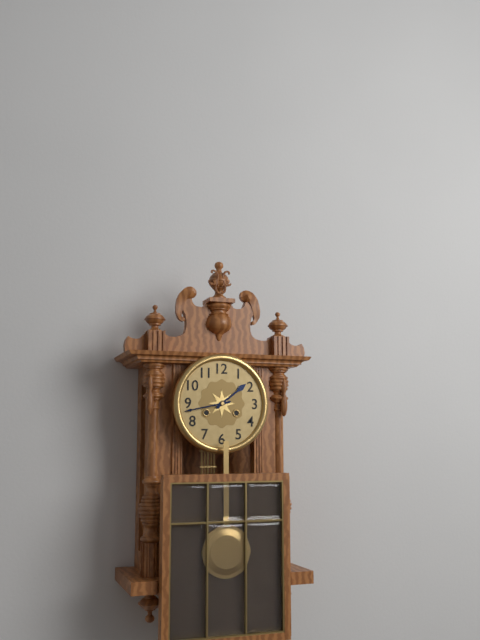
1:43
